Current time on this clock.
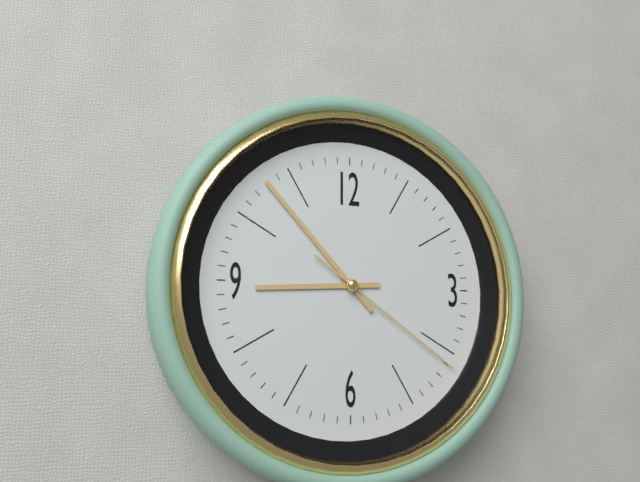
8:53:21
